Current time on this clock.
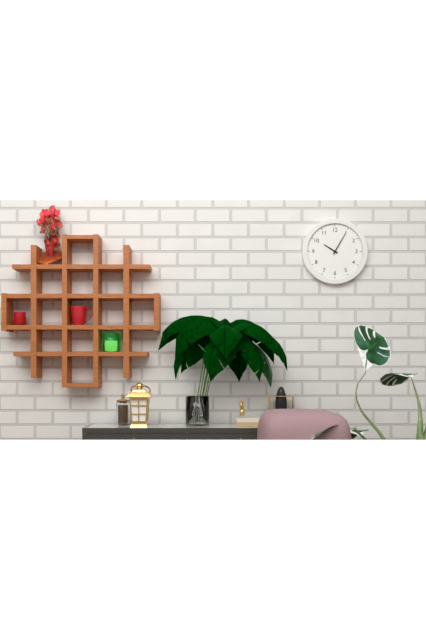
10:05
